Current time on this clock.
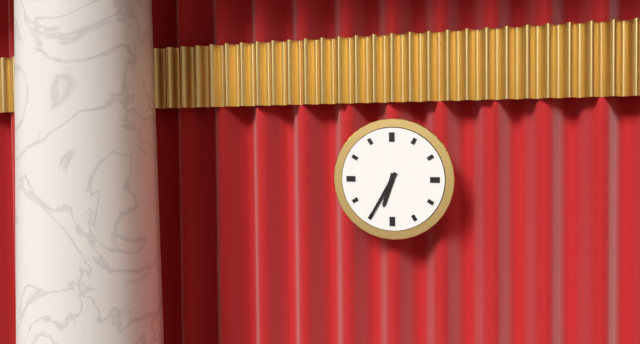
6:35
